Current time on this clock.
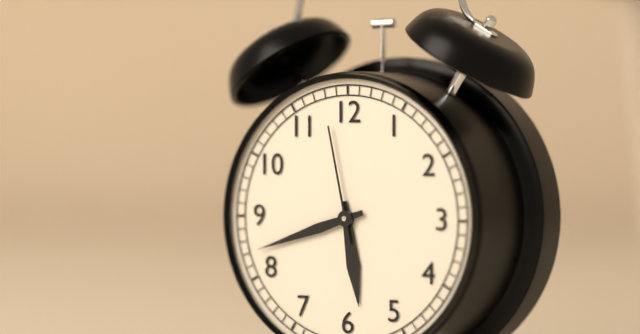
5:42:58
